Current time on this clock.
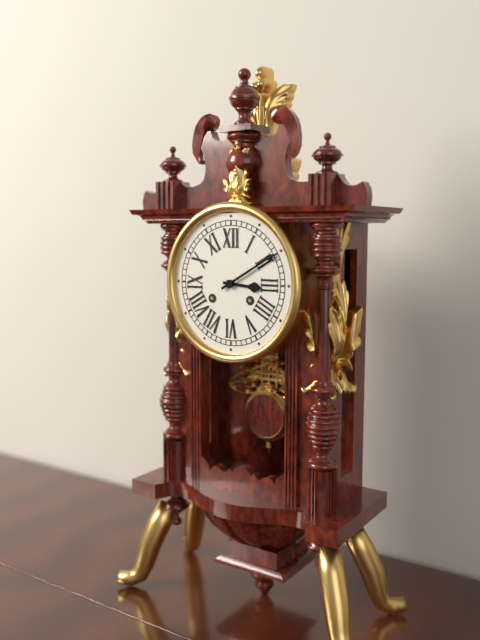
3:10
